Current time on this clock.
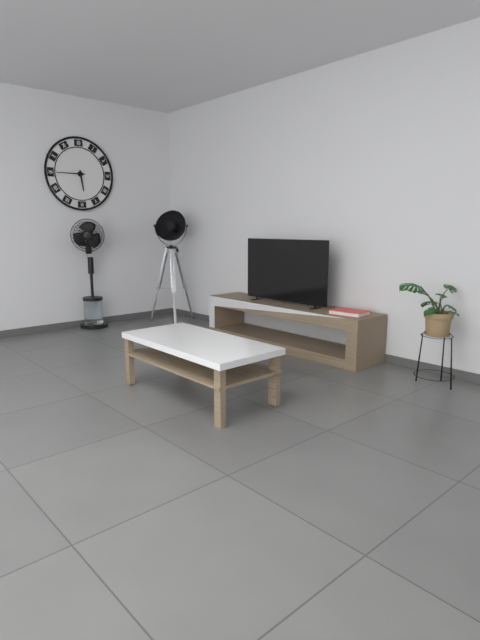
5:45
